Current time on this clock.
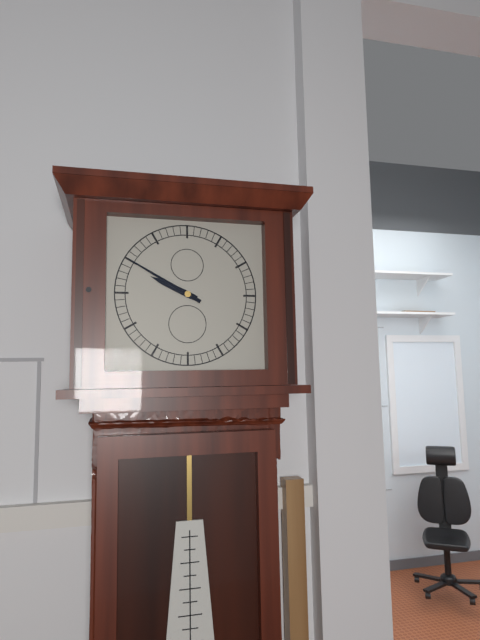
9:50
